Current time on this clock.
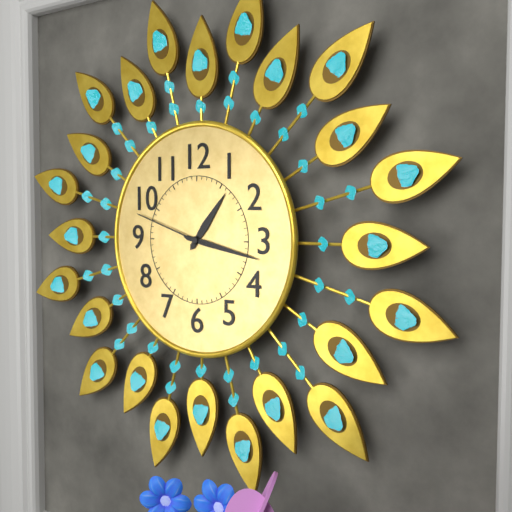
1:17:48
